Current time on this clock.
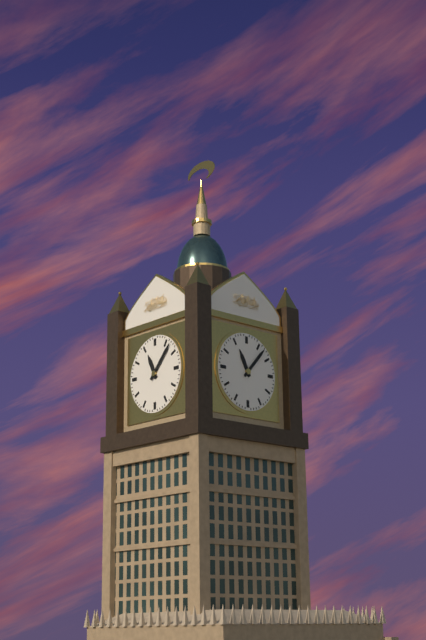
11:07
